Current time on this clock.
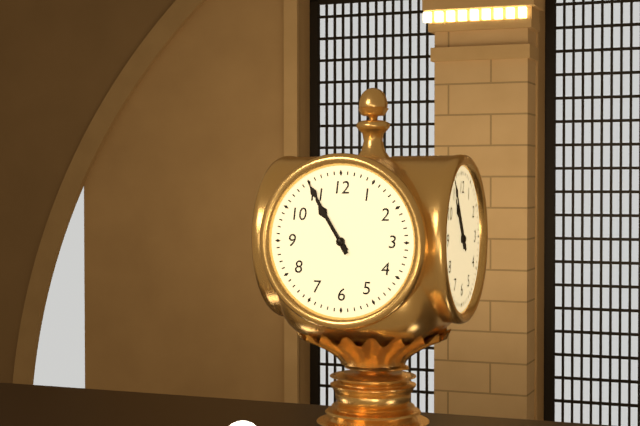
10:55
